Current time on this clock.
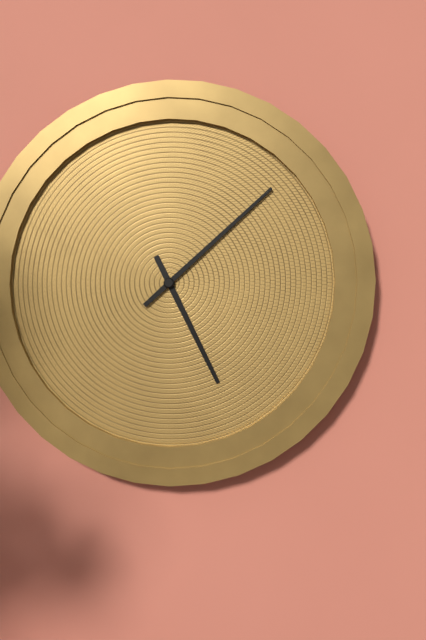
5:08
